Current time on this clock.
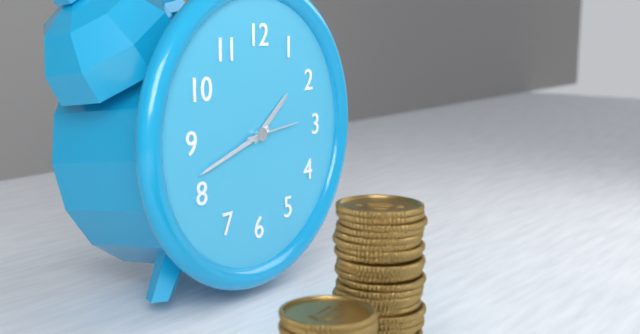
1:42:14
